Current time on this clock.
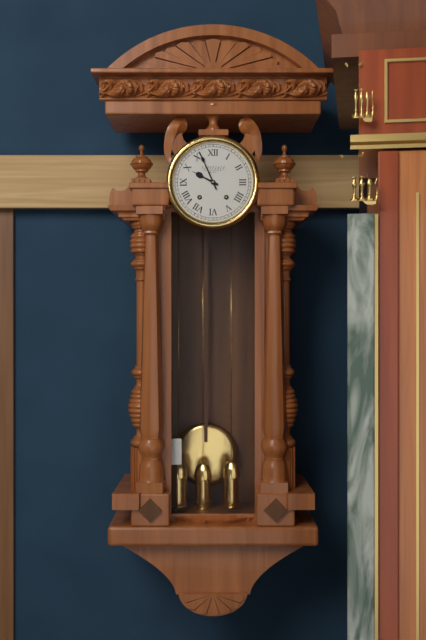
9:56
